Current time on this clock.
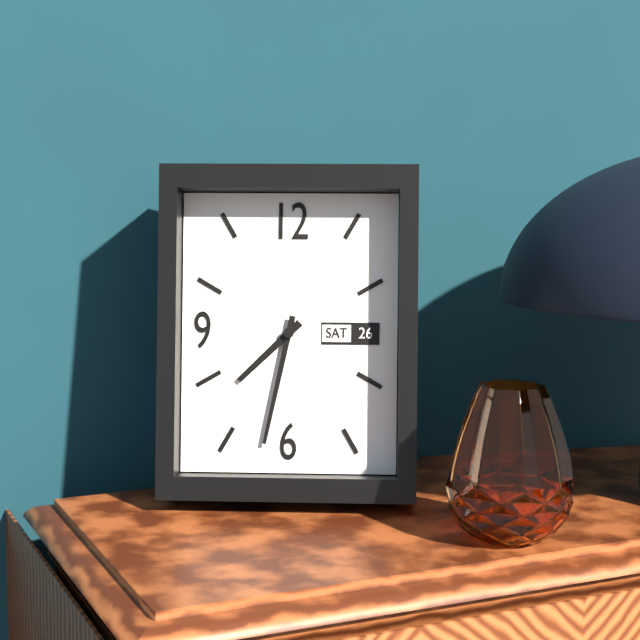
7:32
